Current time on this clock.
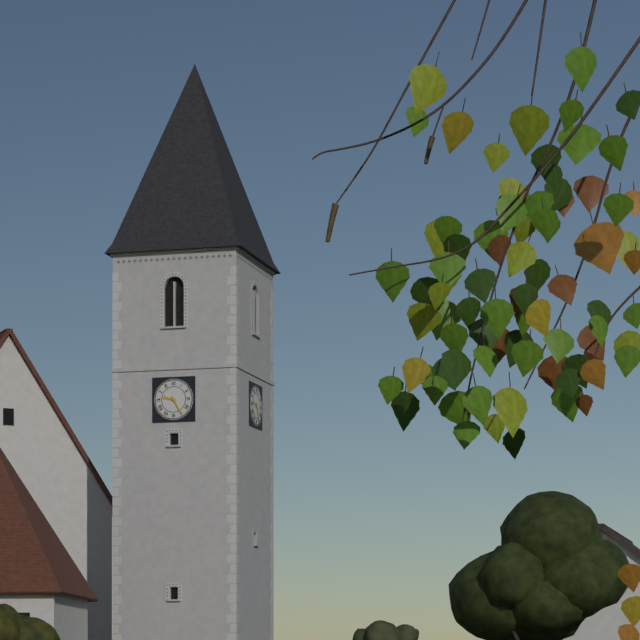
9:25
